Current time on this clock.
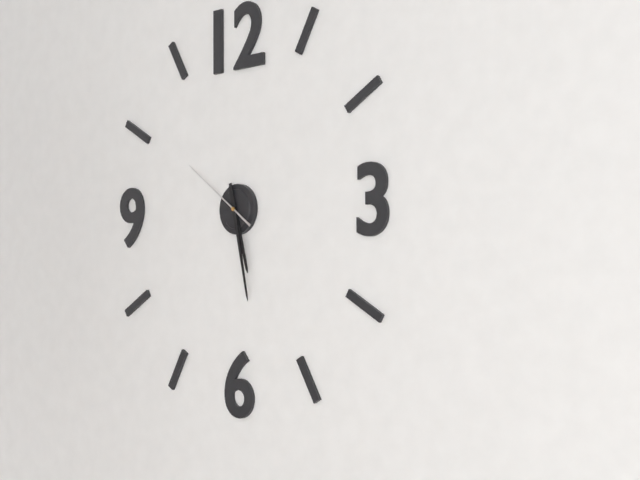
5:28:51
